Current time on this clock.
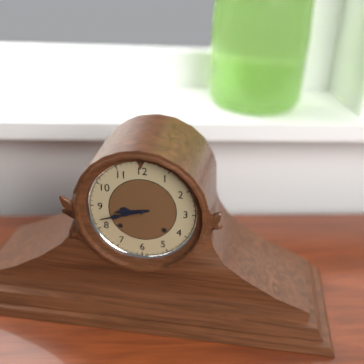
8:42
